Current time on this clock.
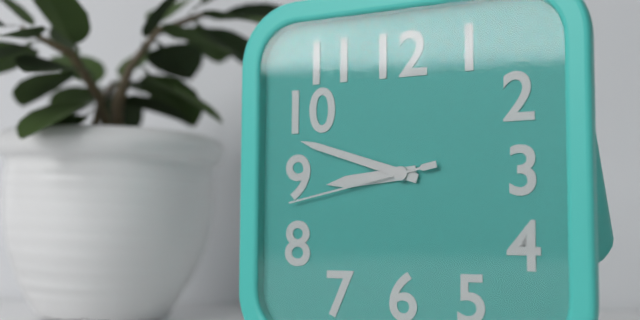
8:48:43
